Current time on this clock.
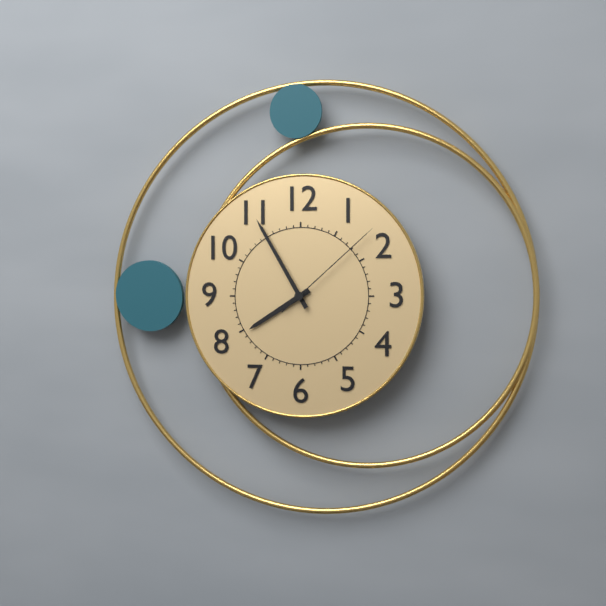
7:55:08
